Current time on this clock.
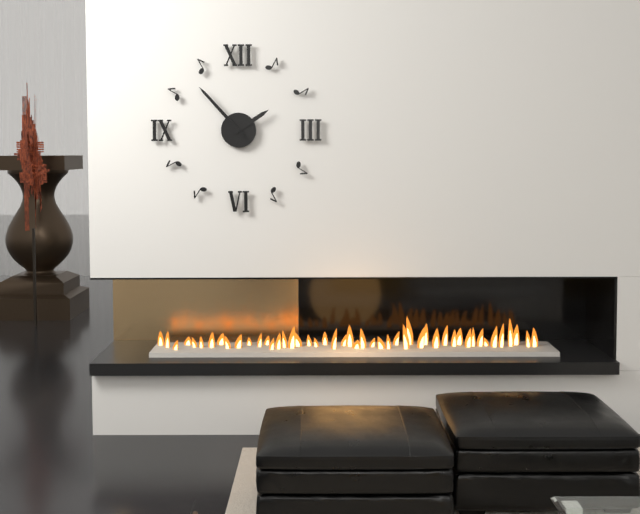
1:53:53
